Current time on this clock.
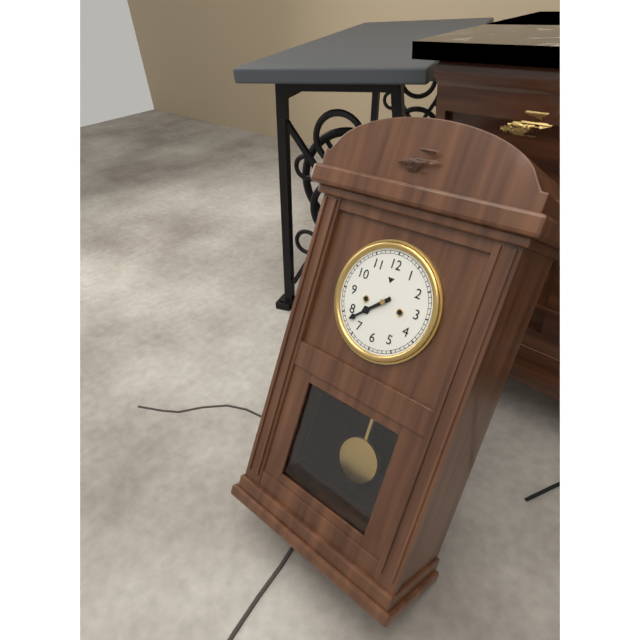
7:38
